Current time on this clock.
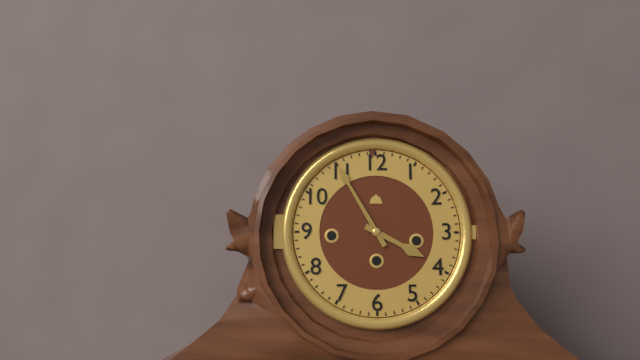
3:55
